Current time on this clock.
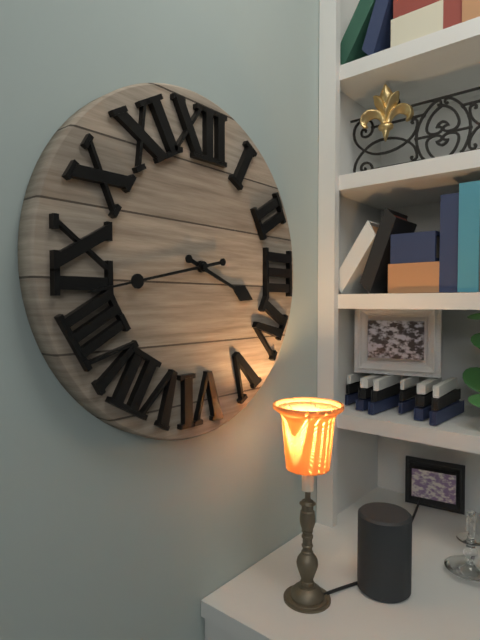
3:43
